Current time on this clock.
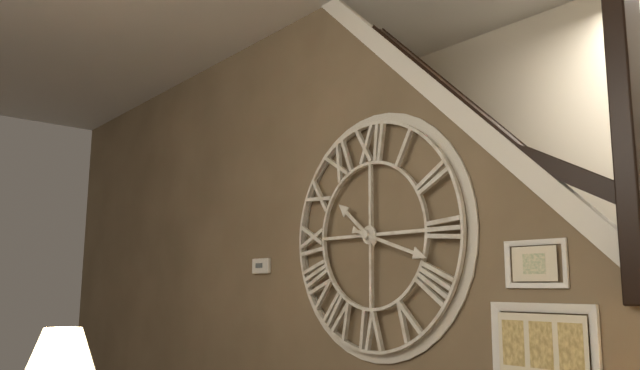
10:18
